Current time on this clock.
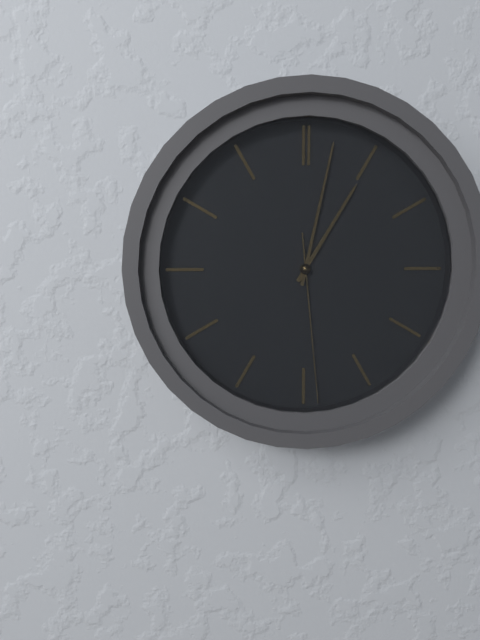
1:02:29
